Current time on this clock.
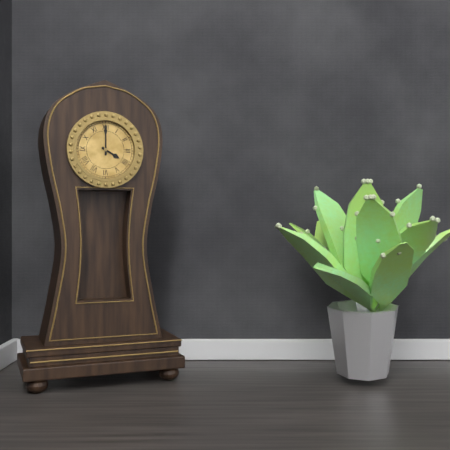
4:00
